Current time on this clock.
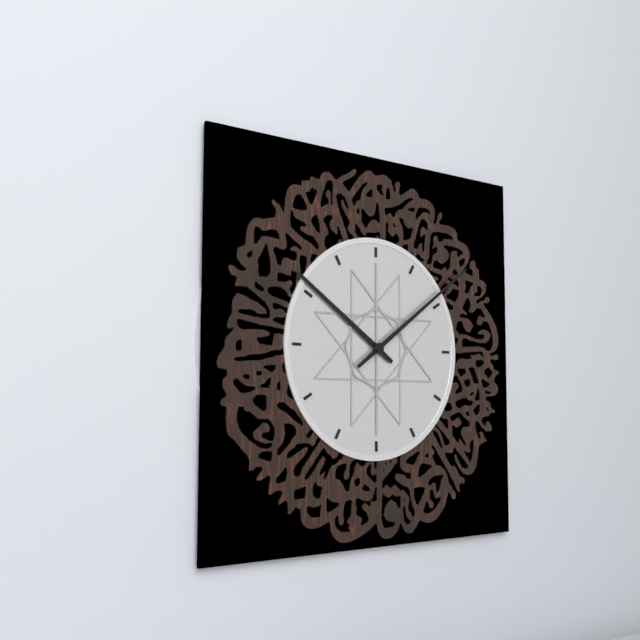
10:09
